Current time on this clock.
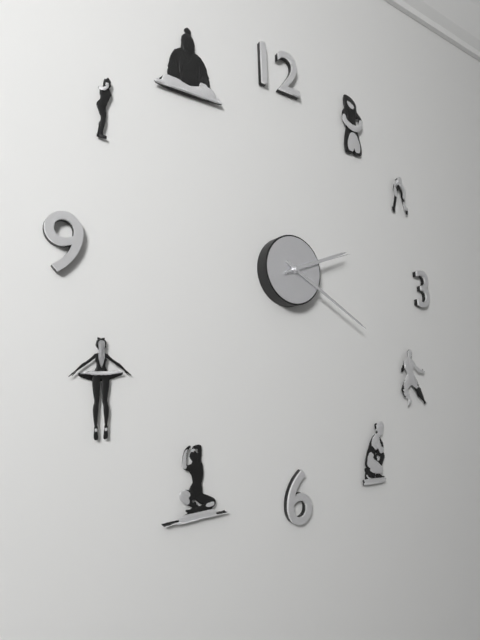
2:20:12
